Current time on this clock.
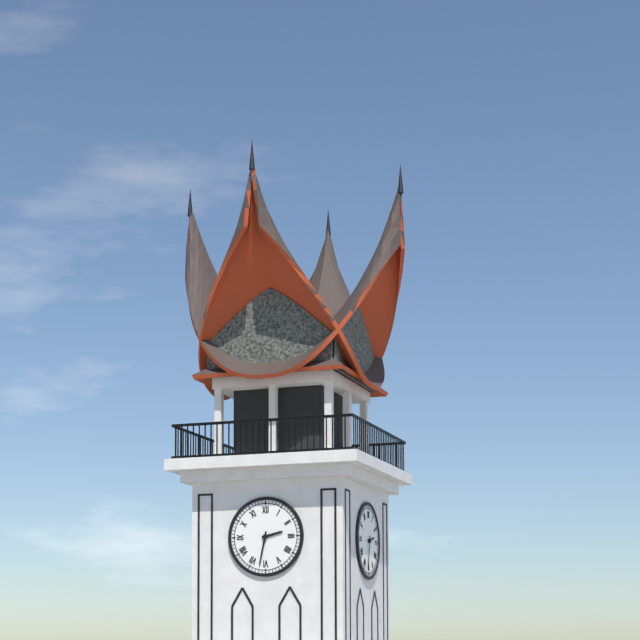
2:32
